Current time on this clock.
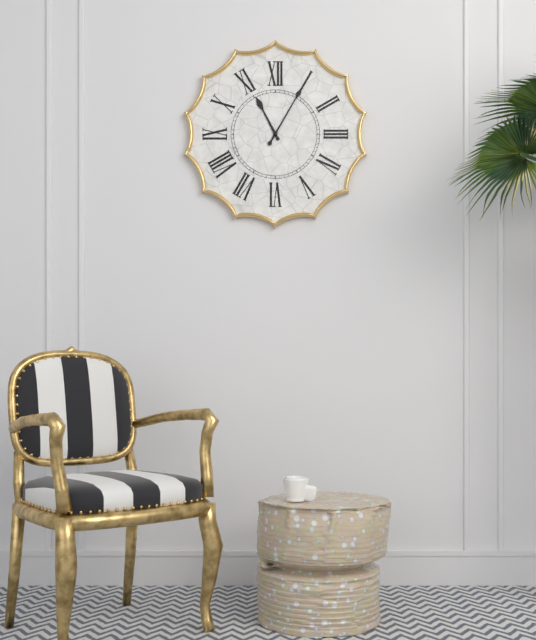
11:05
